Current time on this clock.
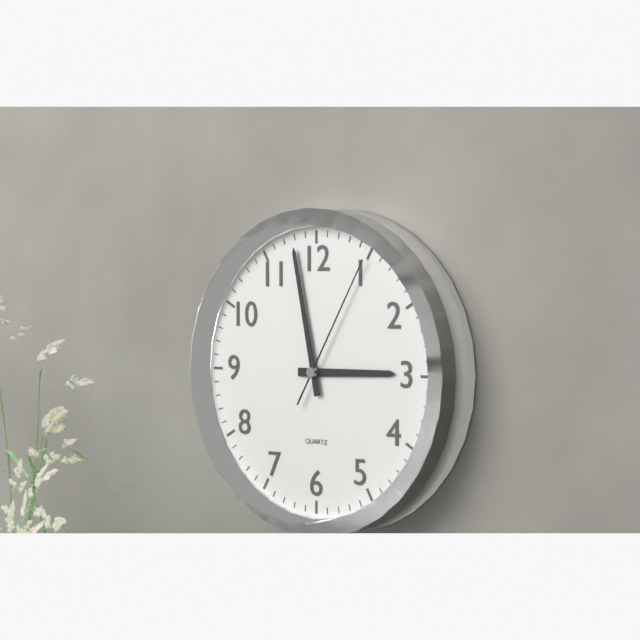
2:58:05
